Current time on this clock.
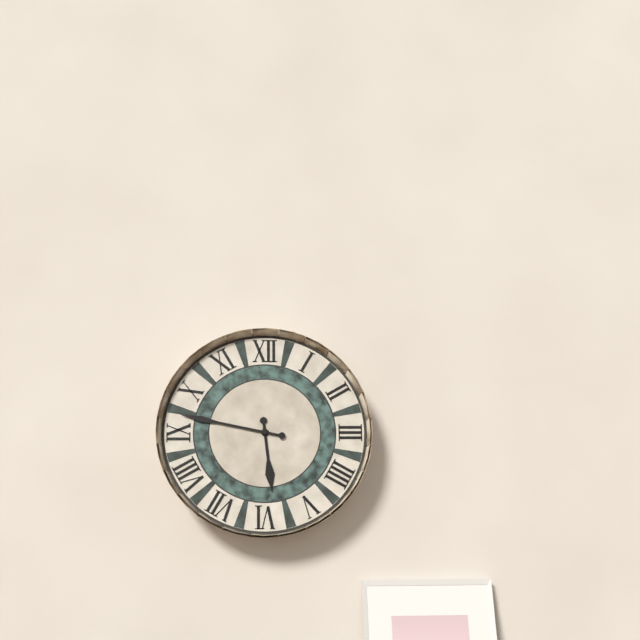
5:47
